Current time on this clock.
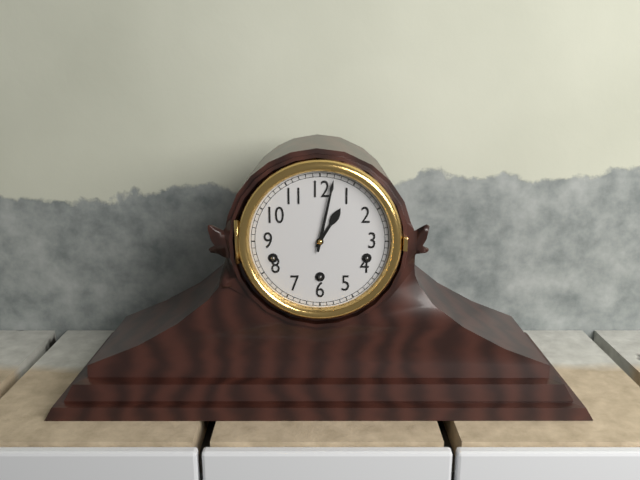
1:02
